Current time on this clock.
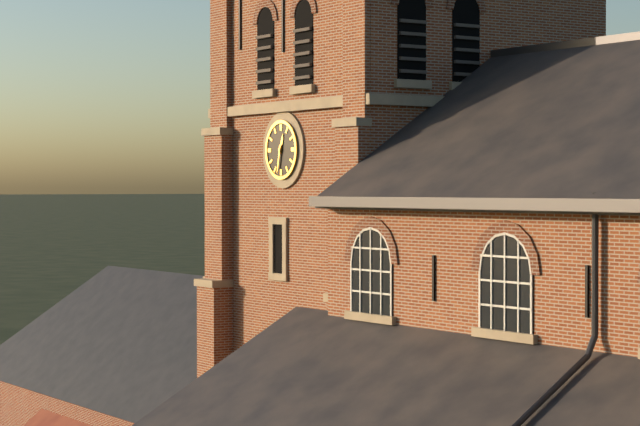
12:32
